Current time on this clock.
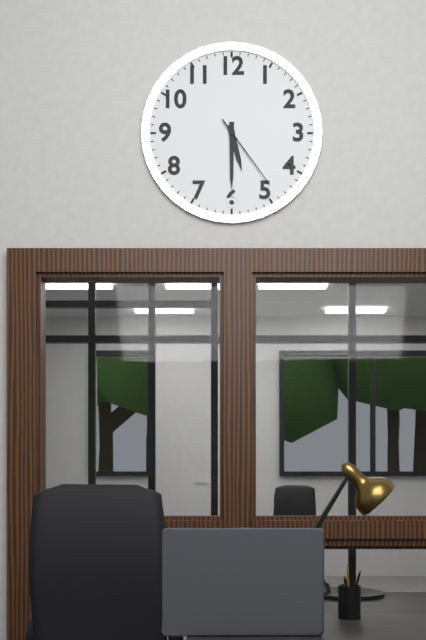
5:30:24
